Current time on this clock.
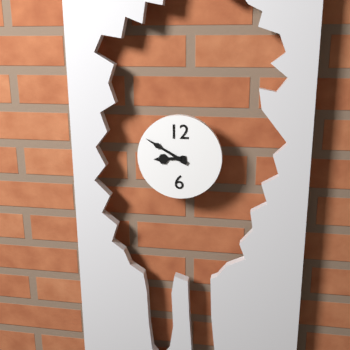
8:50
